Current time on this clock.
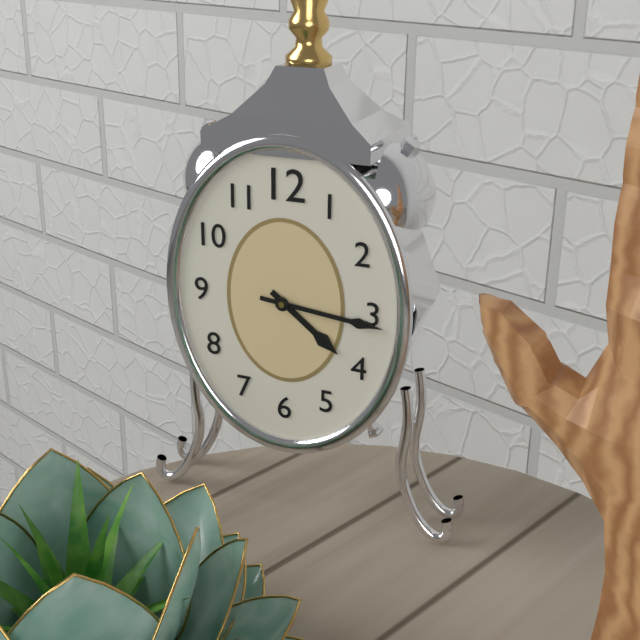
4:16
